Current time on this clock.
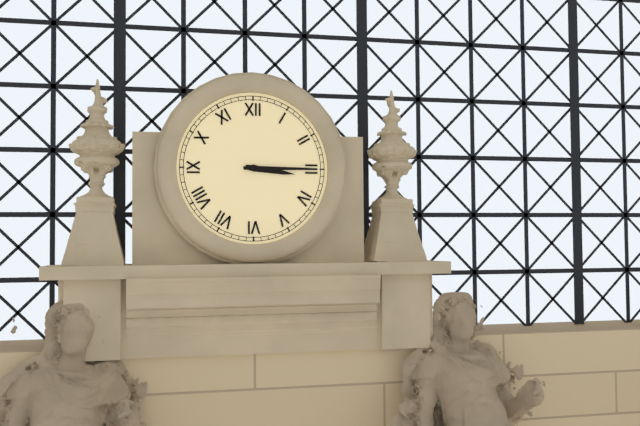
3:15
